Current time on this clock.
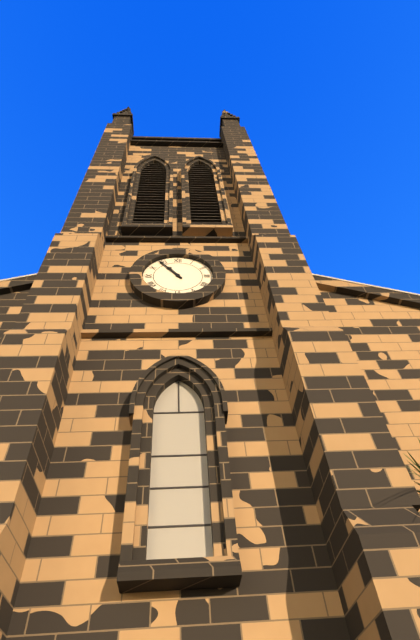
10:54
